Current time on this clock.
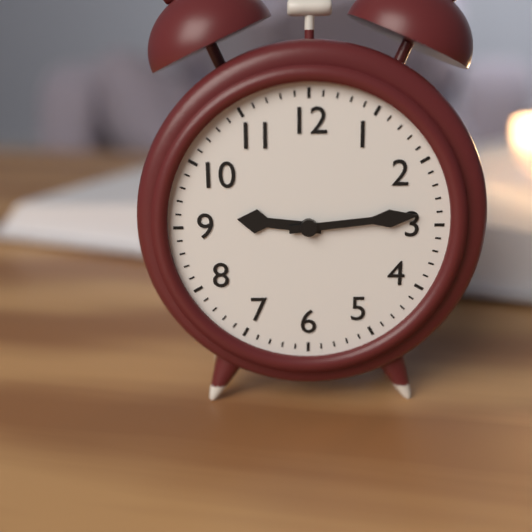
9:14
